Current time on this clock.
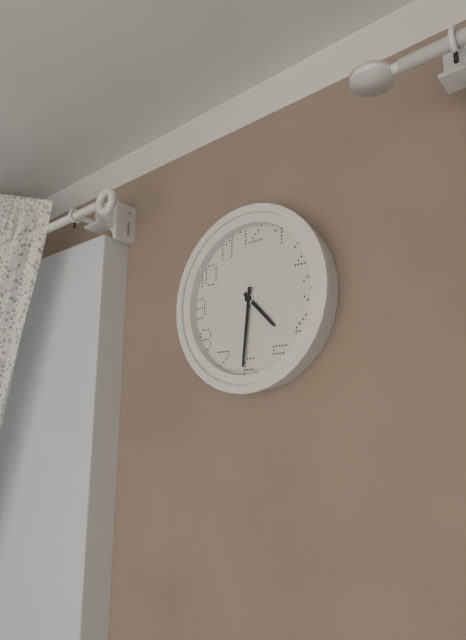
4:31
